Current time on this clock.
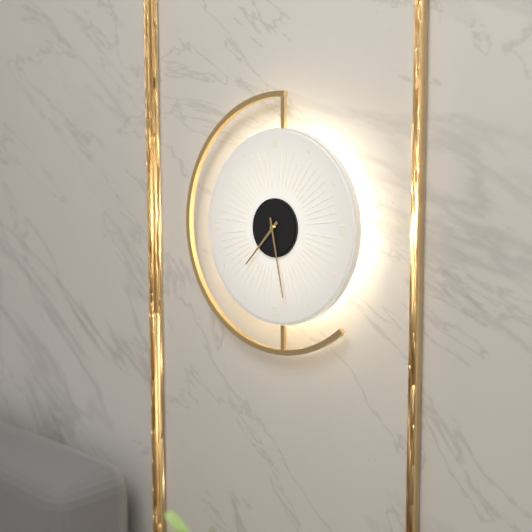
7:28
